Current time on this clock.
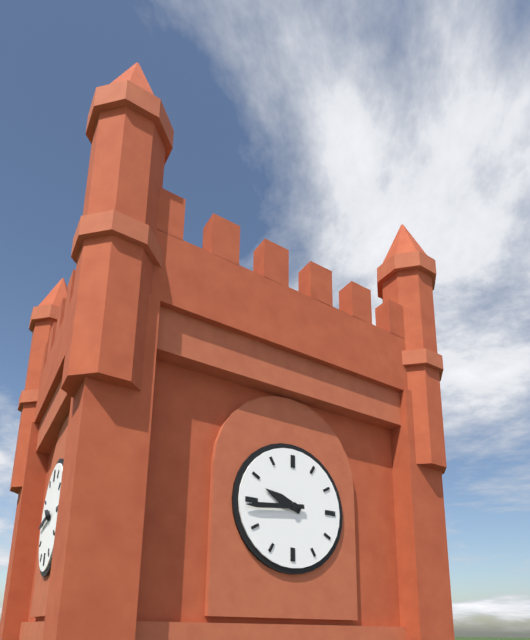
9:44
